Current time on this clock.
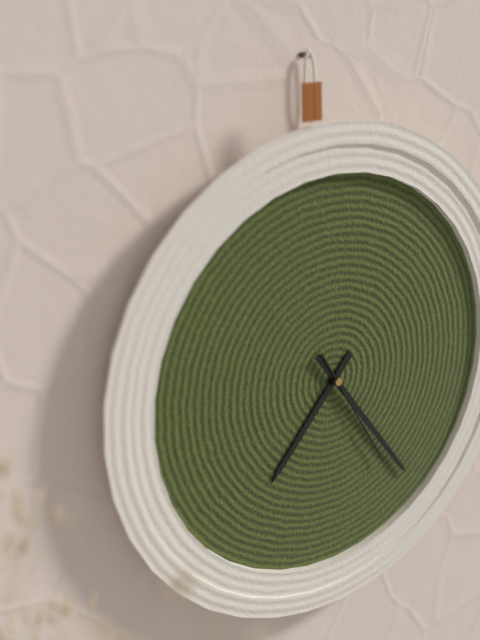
7:24:25
